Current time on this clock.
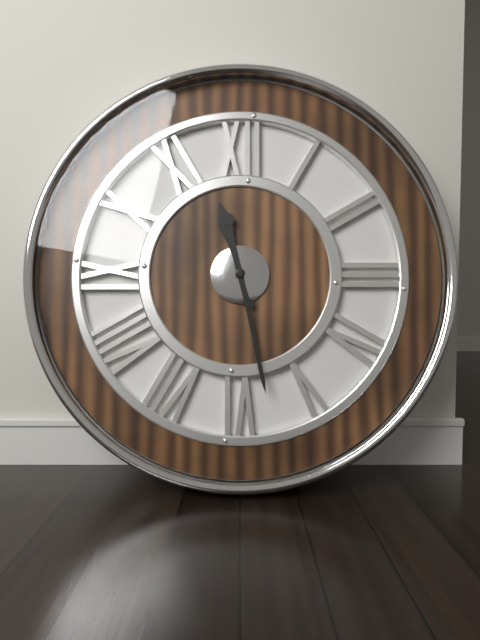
11:28
